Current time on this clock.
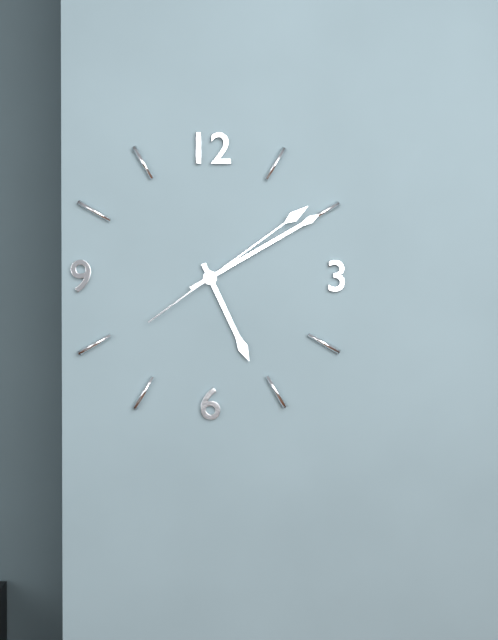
5:10:09
